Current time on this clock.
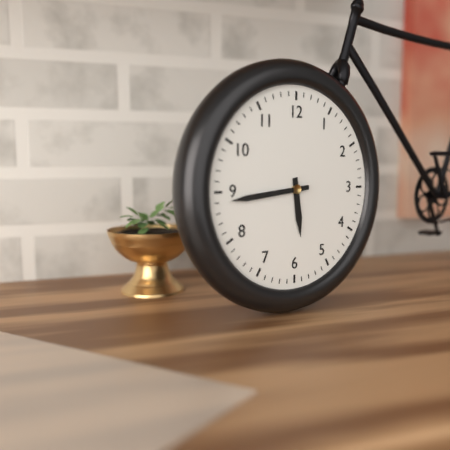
5:44
